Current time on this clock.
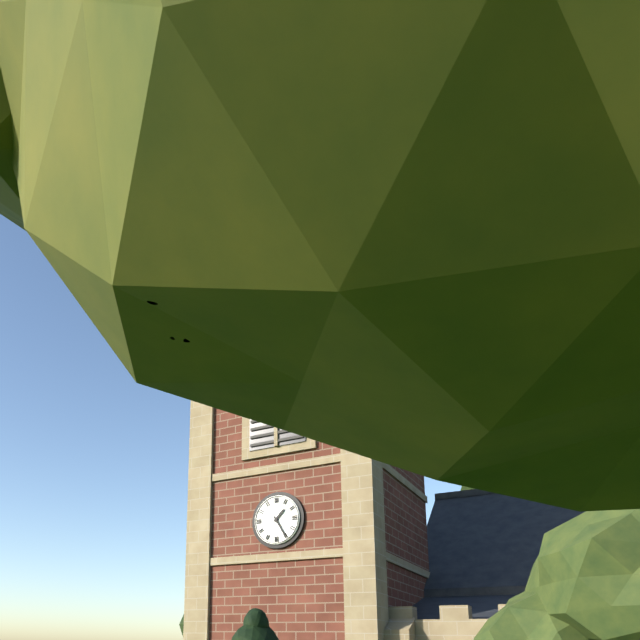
1:25
